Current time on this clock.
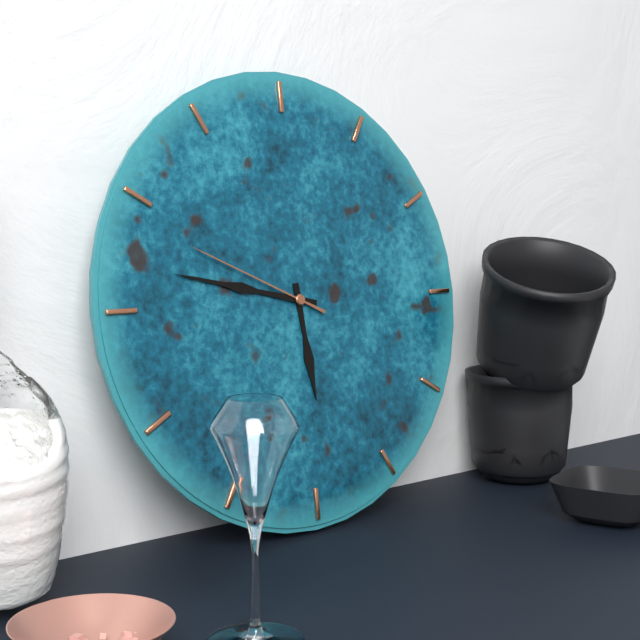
5:47:49
